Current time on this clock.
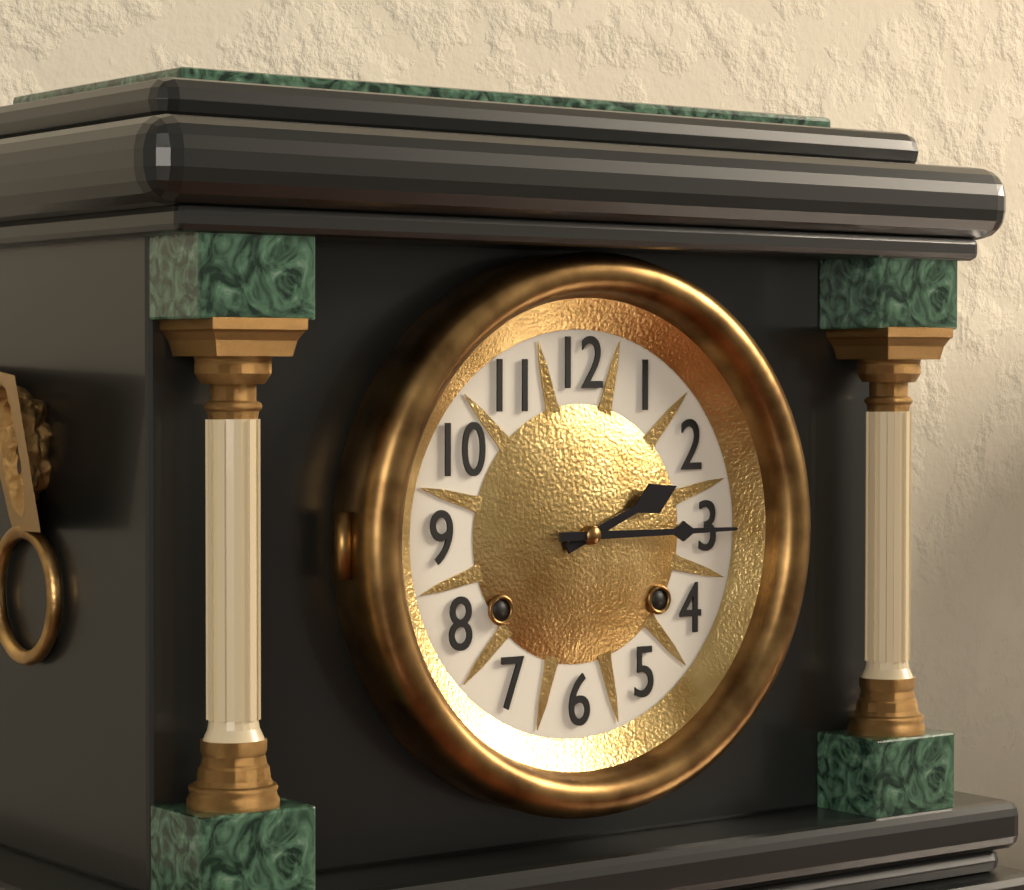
2:15
